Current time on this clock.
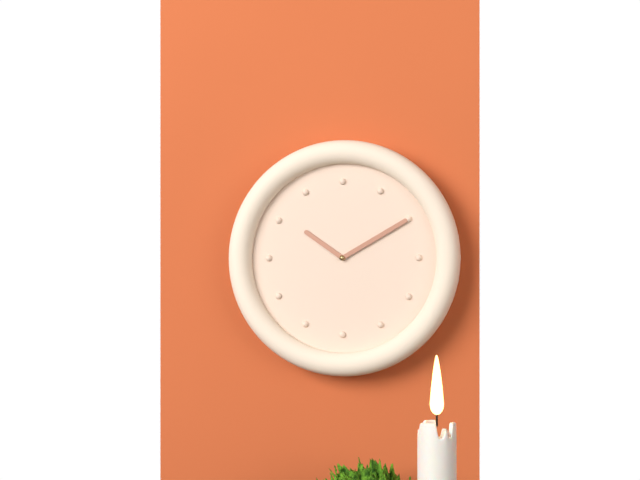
10:10
